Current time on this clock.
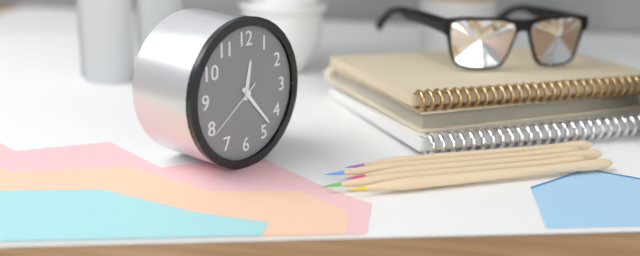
12:23:39
